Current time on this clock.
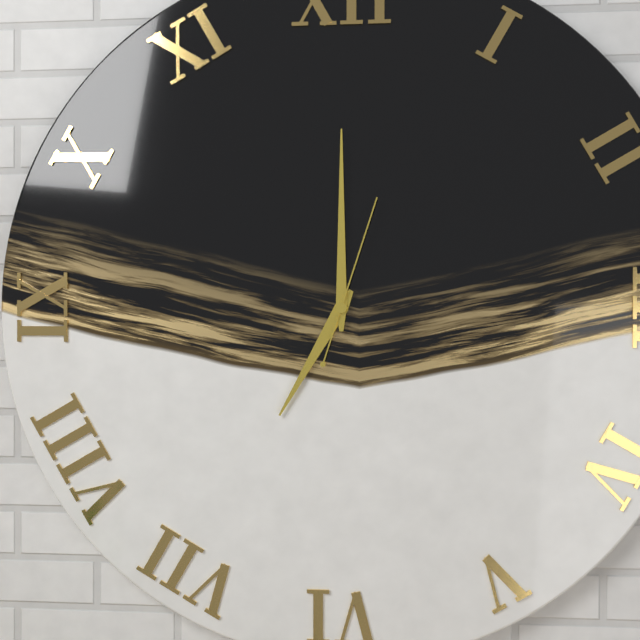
7:00:03
